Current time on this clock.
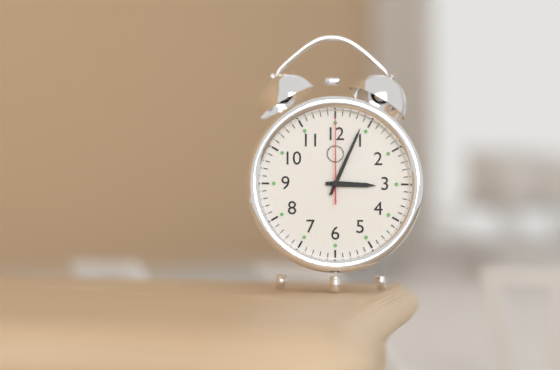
3:04:00
